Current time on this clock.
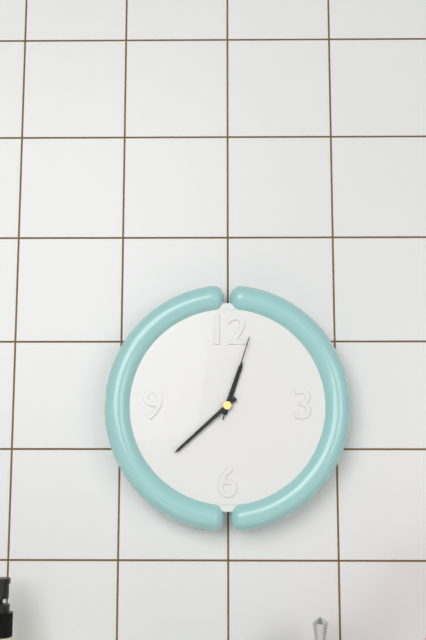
12:38:03
